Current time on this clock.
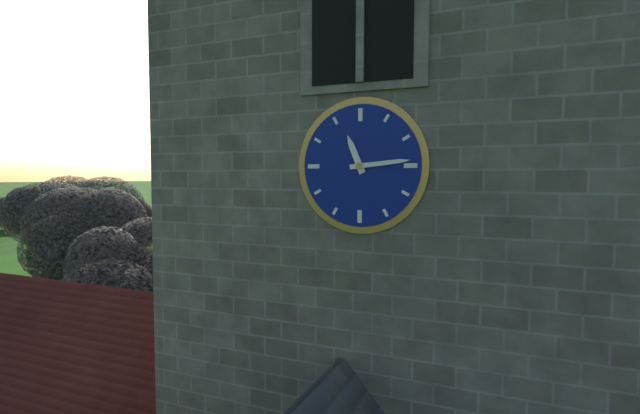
11:14
